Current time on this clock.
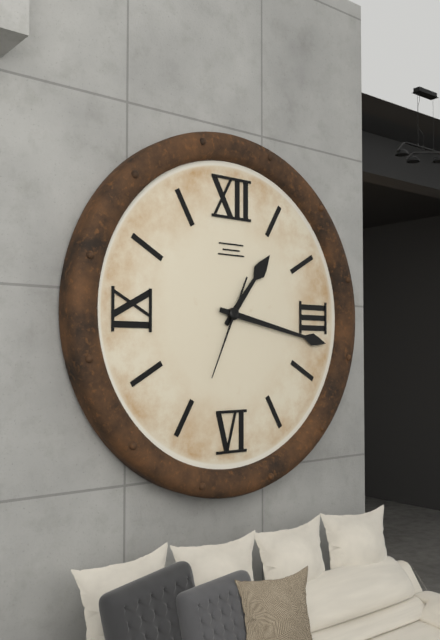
1:17:34
